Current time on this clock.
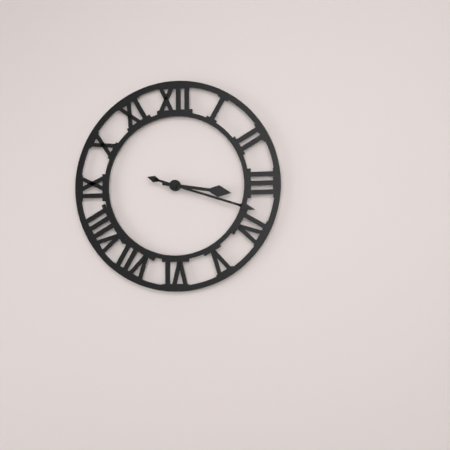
3:18
